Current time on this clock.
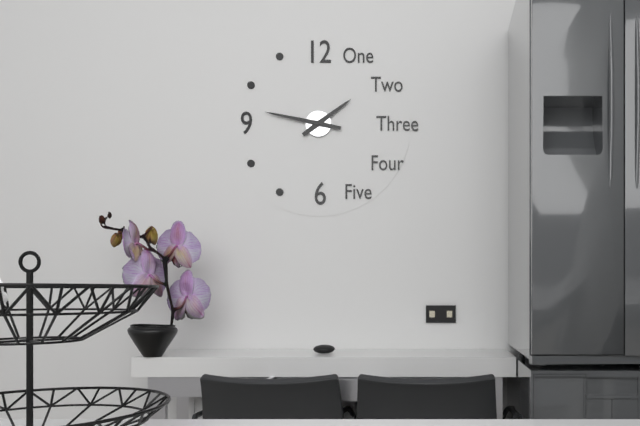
1:47
